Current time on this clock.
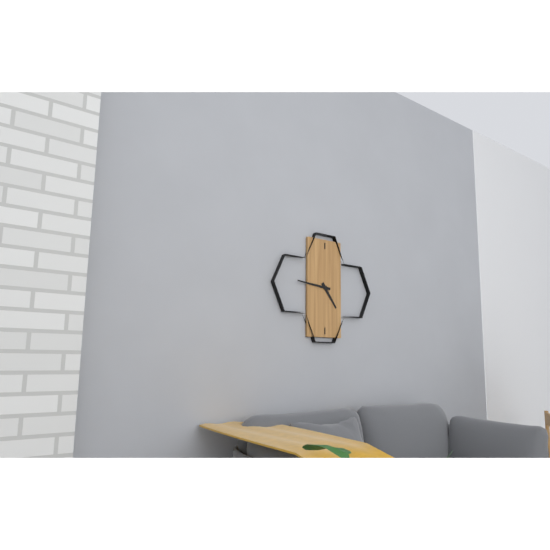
4:46
